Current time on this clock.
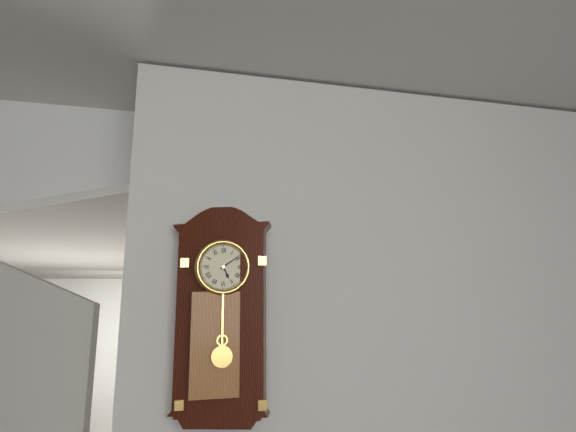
5:09
